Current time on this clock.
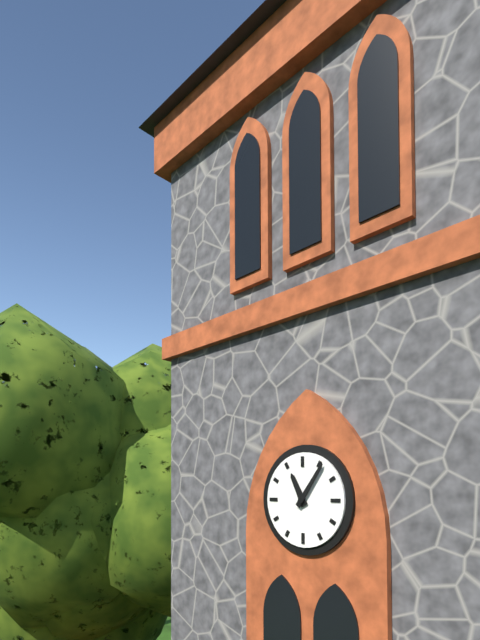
11:06
